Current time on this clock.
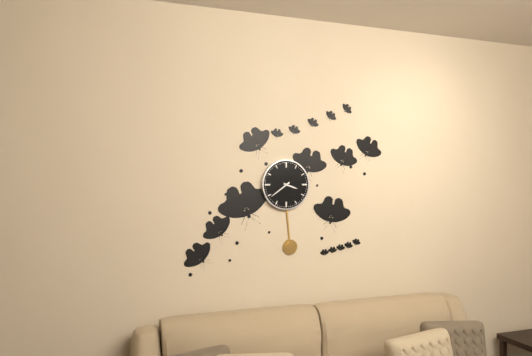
3:39
